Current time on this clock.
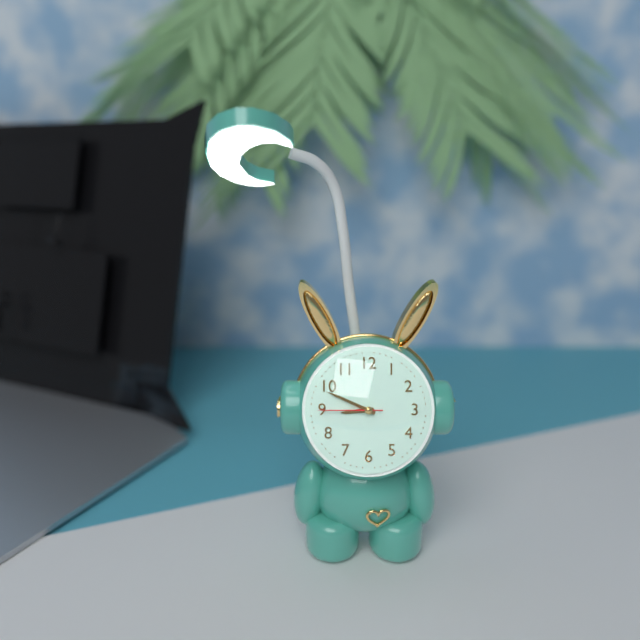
8:49:45
